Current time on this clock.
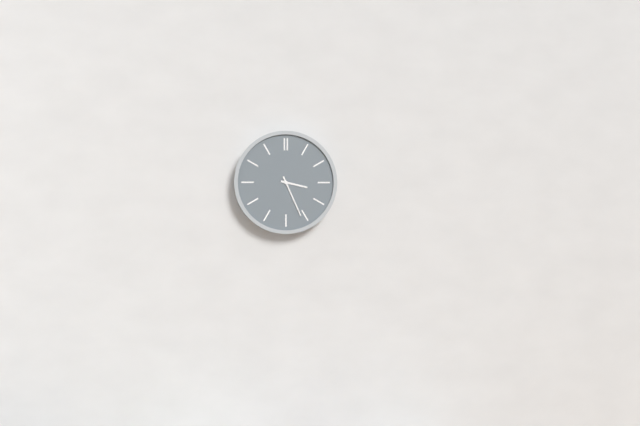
3:26
